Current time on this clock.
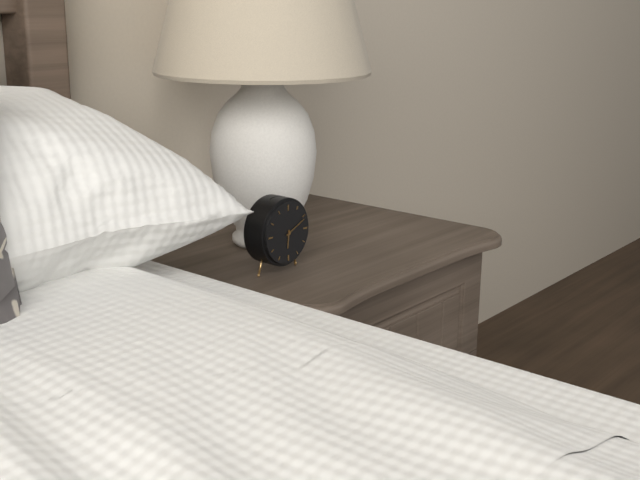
6:11
